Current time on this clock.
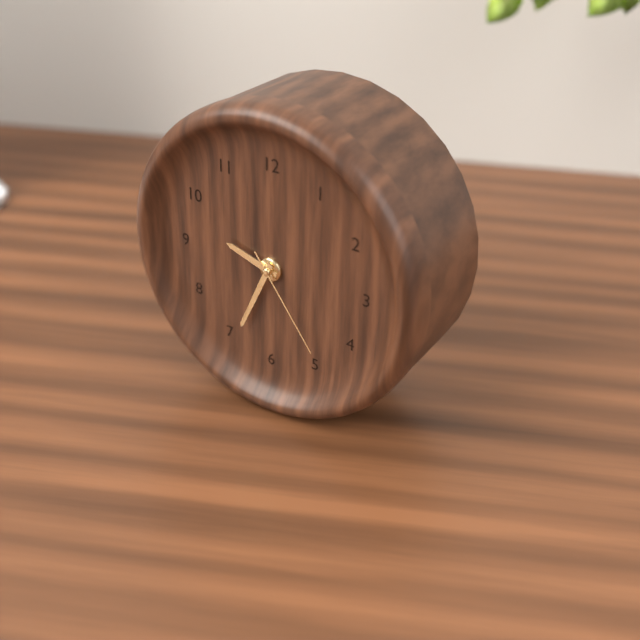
9:34:24
